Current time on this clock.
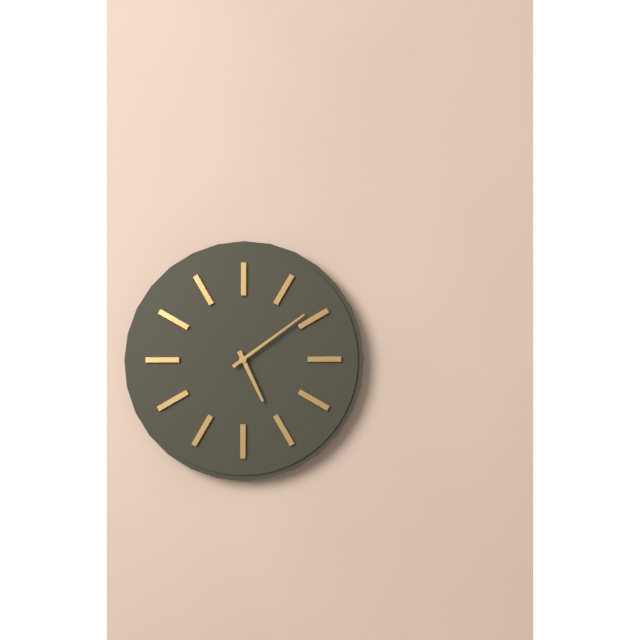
5:09
